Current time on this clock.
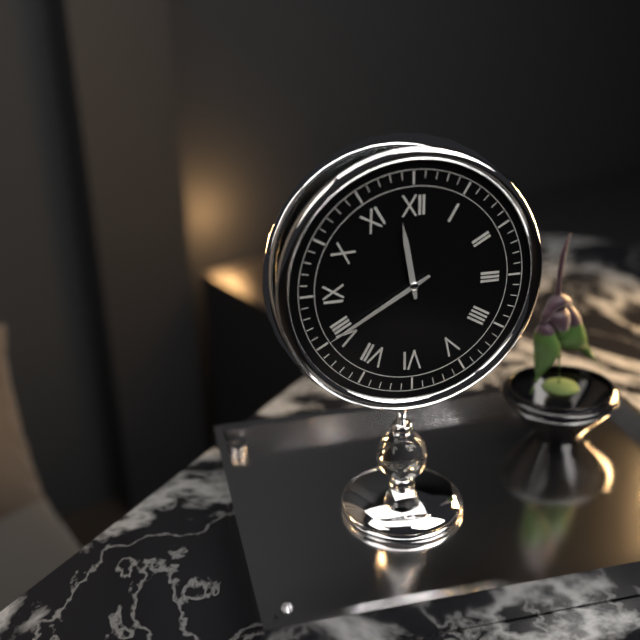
11:40
